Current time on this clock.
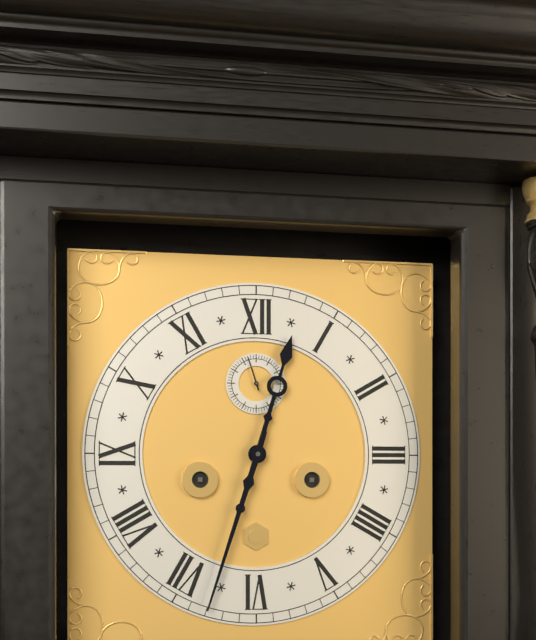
12:33
